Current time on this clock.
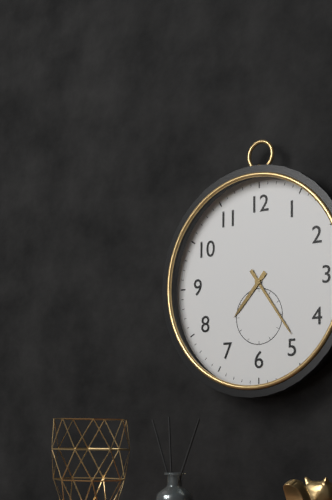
7:24
